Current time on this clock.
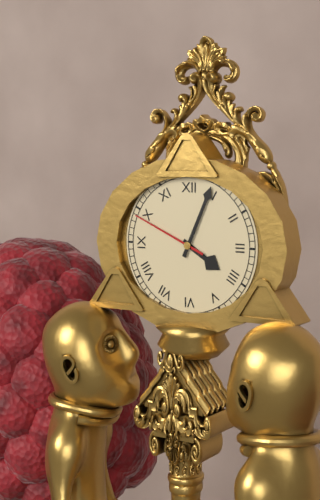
4:04:49
